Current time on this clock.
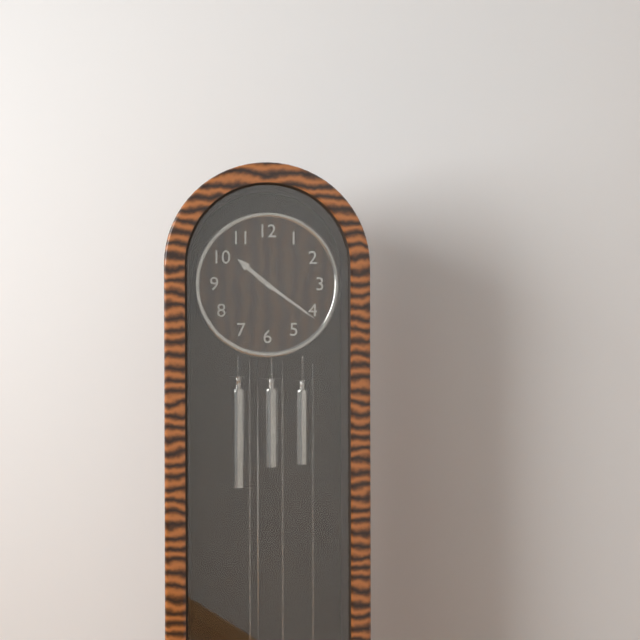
10:21
